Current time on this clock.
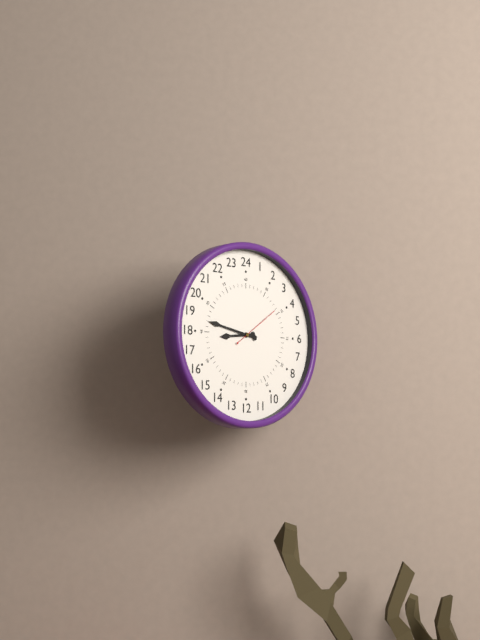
8:47:09
